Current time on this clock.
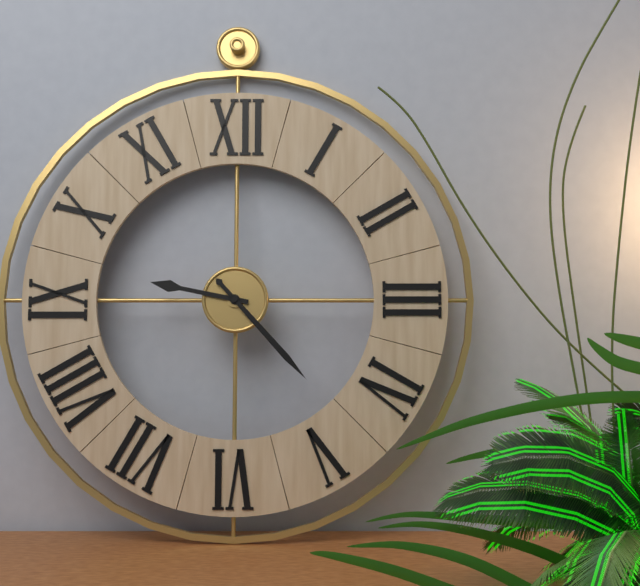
9:23
